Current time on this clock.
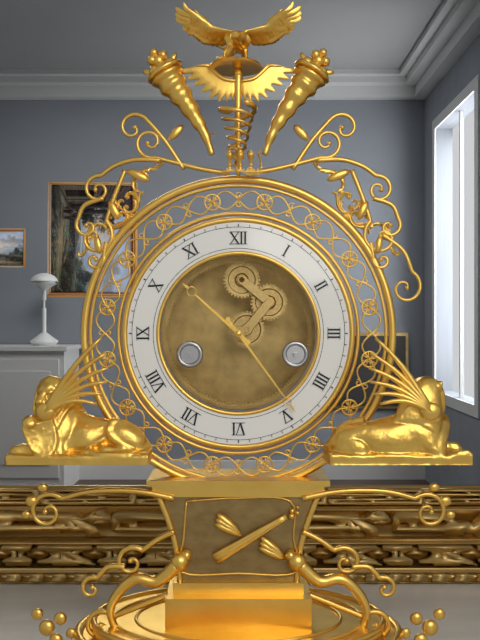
10:24
